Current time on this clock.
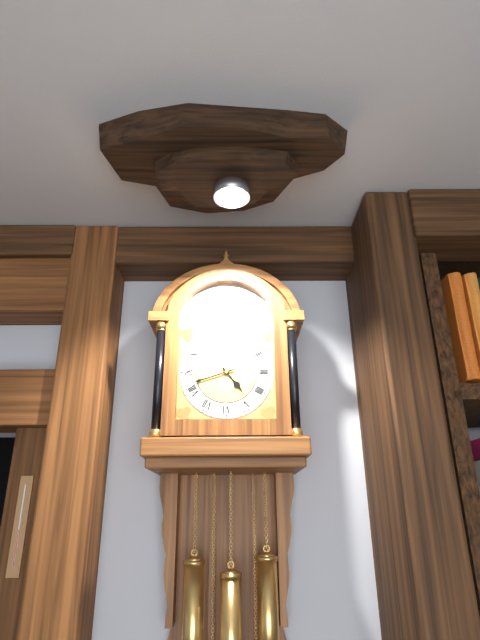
4:42
